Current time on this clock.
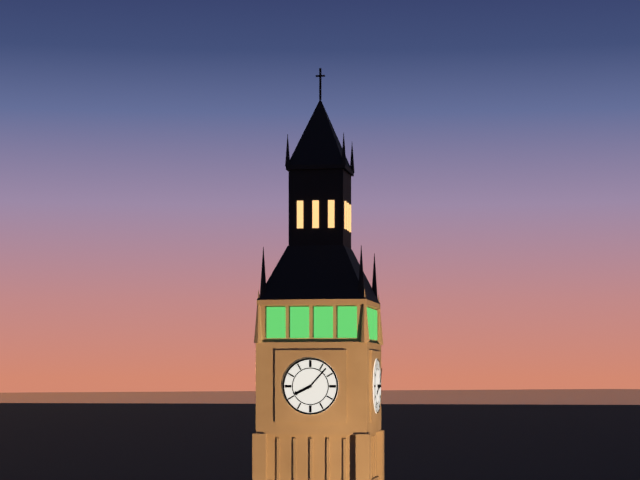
8:07
